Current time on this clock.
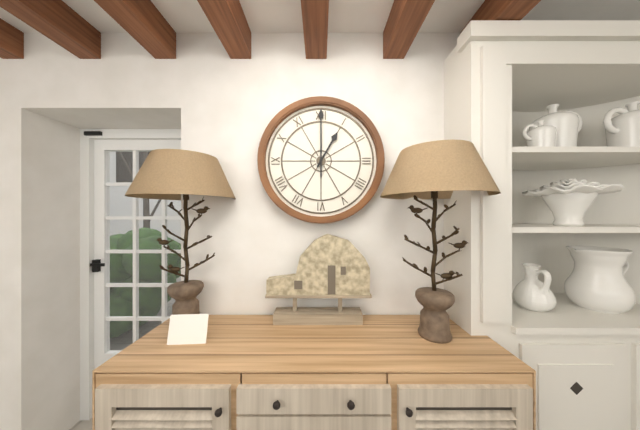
1:00
